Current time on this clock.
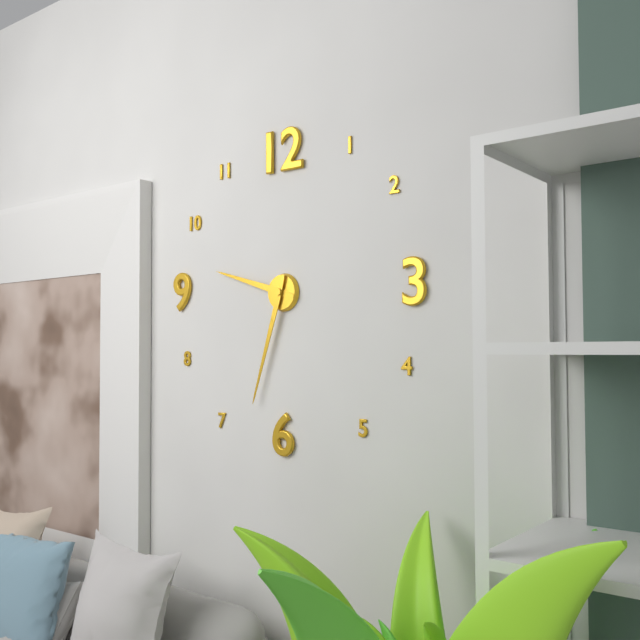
9:33
